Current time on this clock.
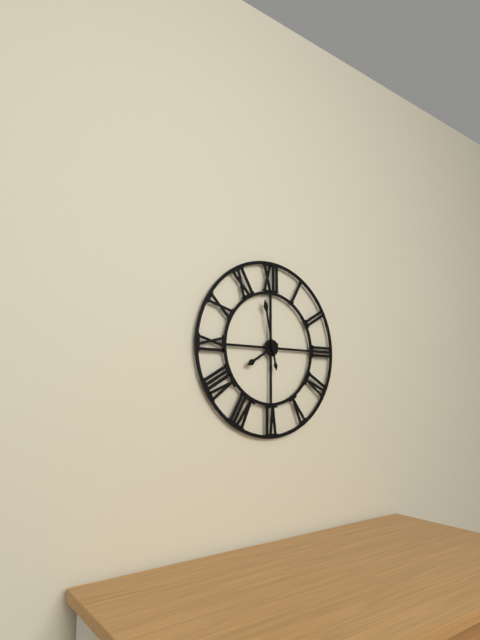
7:58
